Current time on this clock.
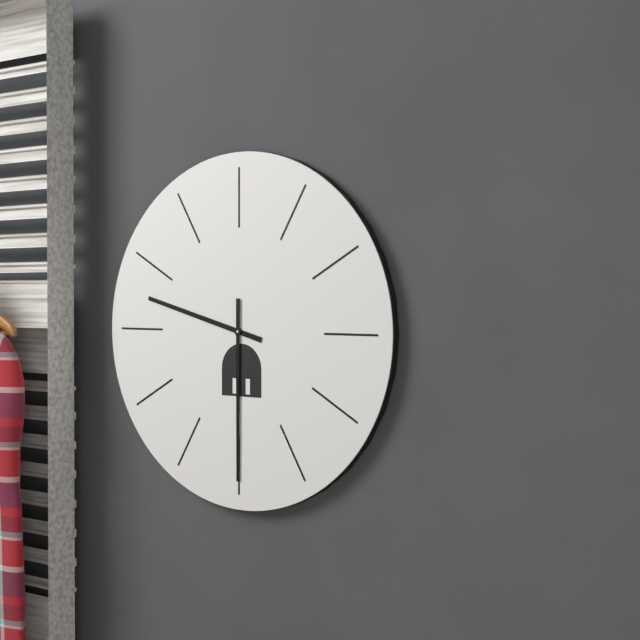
9:30
